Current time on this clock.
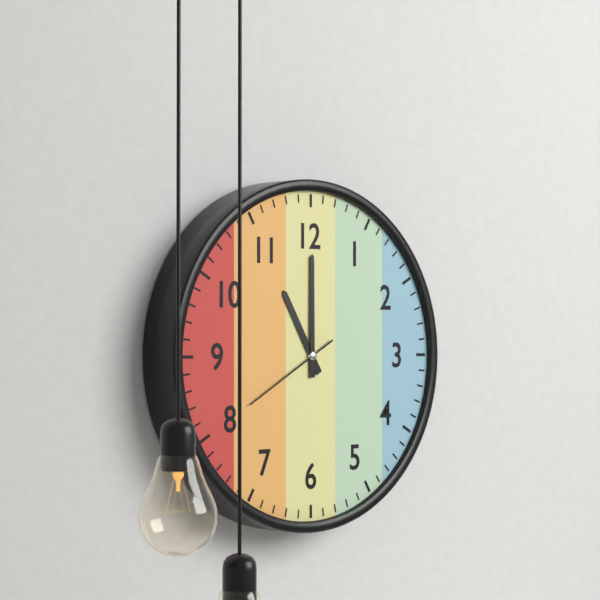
11:00:40
